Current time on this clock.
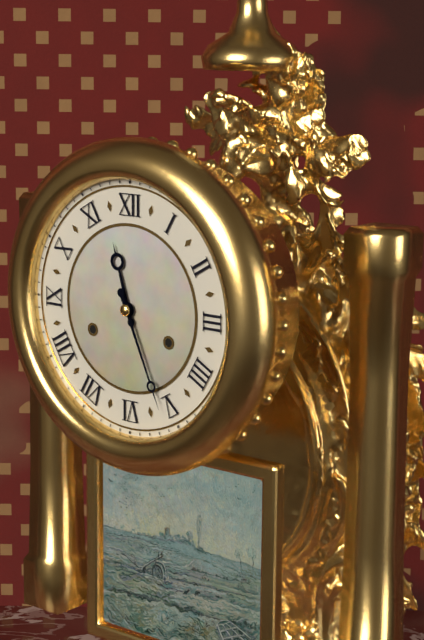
11:26
